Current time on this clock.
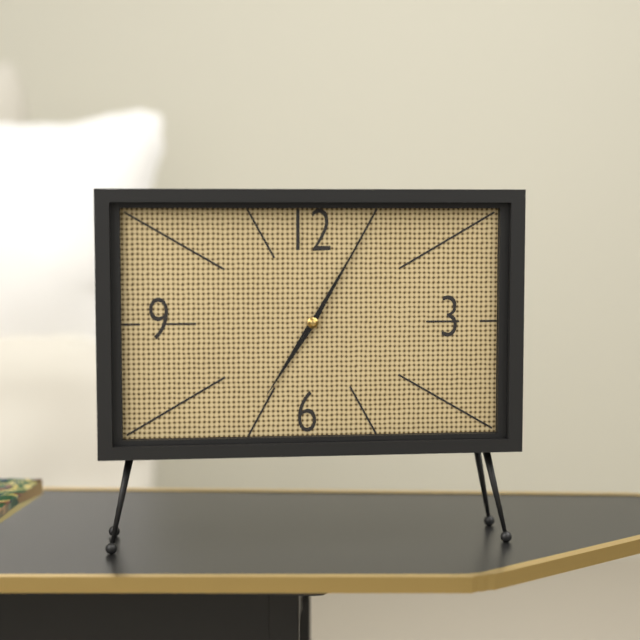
7:05
